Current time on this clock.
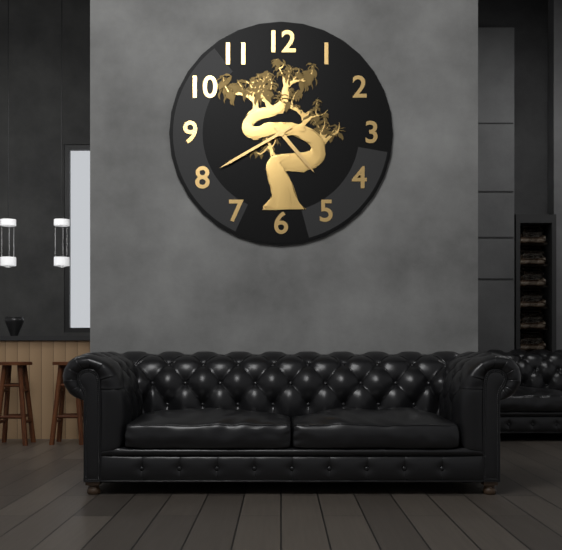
4:40
